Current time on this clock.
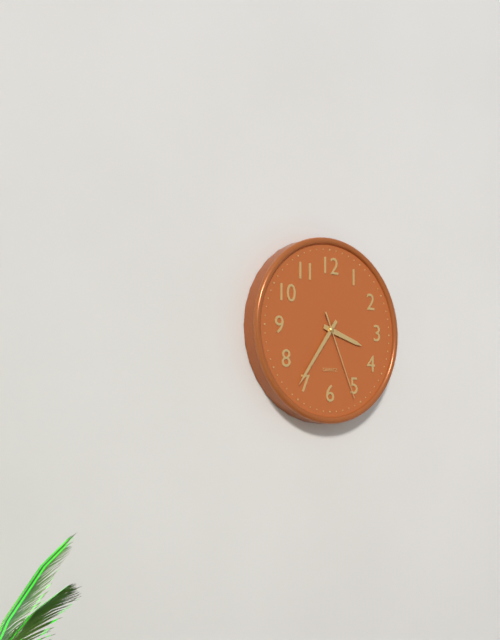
3:36:26
